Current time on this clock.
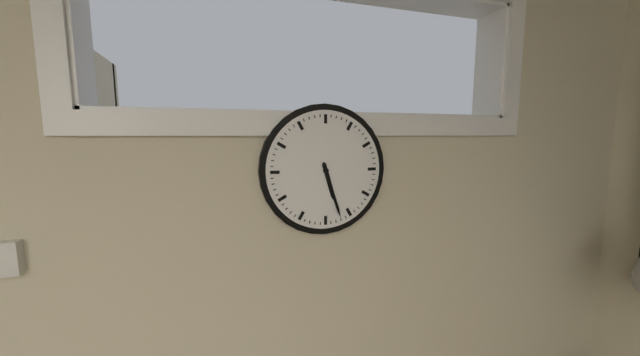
5:27
